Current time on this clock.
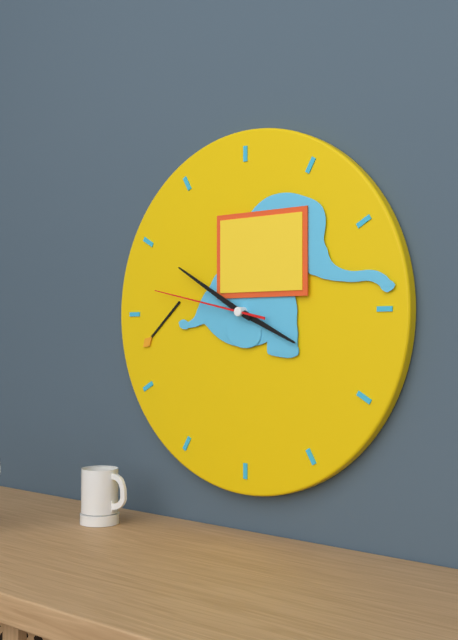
3:50:47
